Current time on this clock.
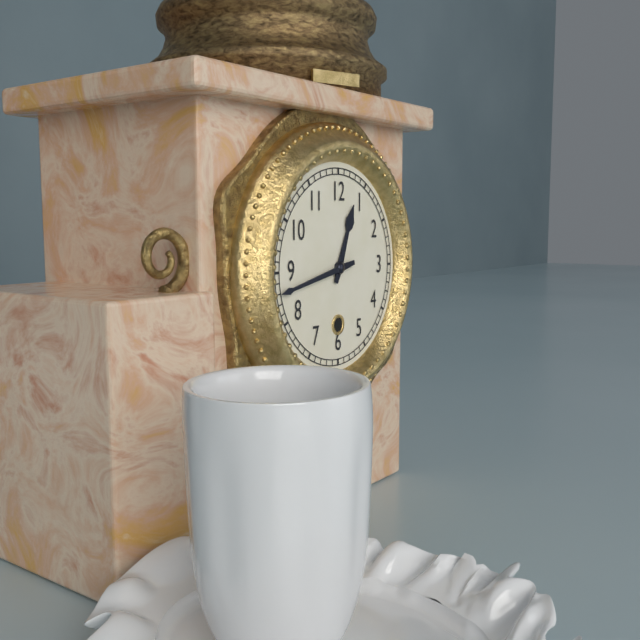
12:43
